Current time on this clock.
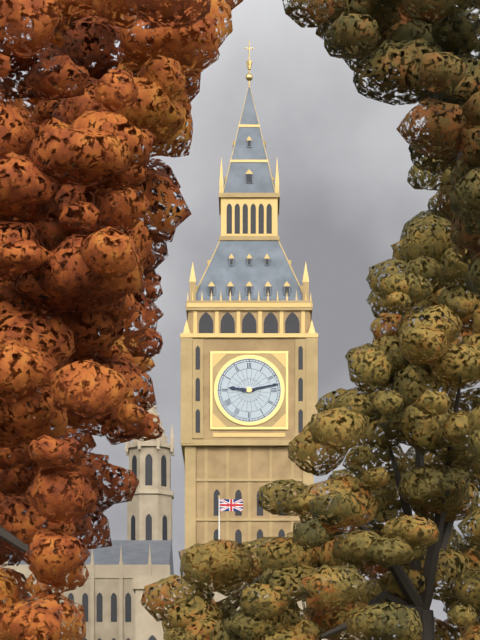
9:13
